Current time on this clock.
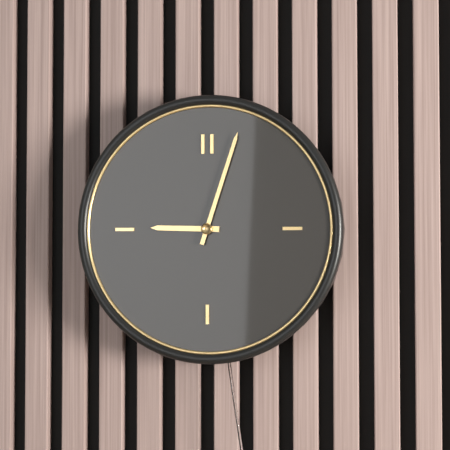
9:03
